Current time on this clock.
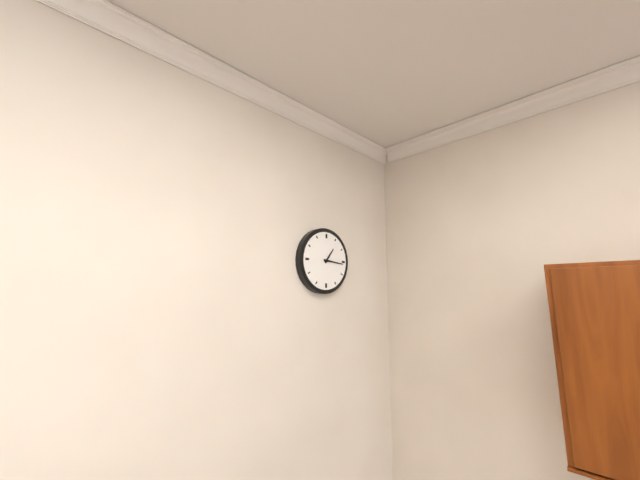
1:16
